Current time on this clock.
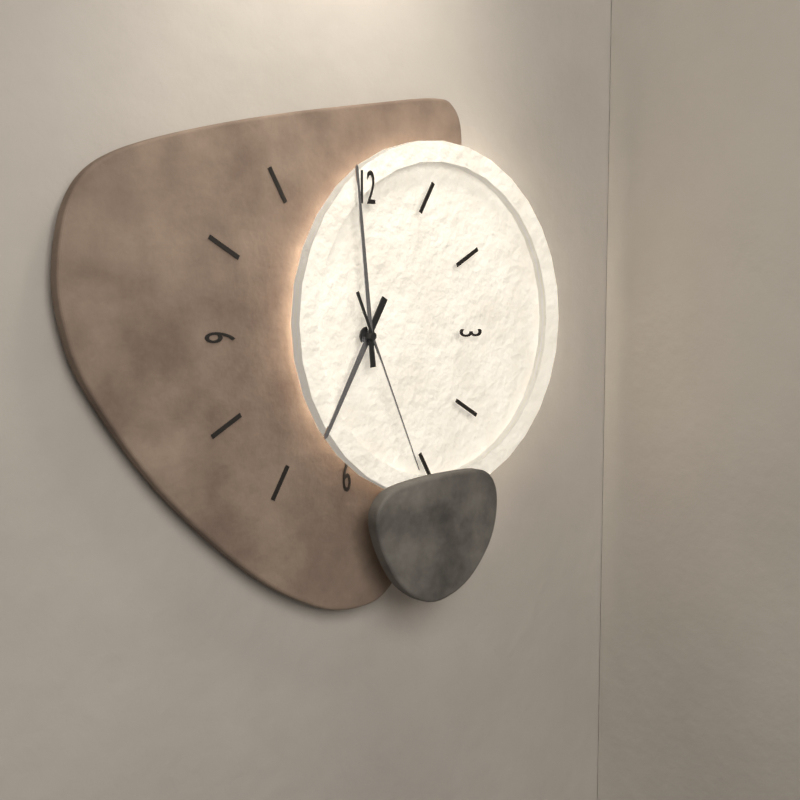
6:59:26
